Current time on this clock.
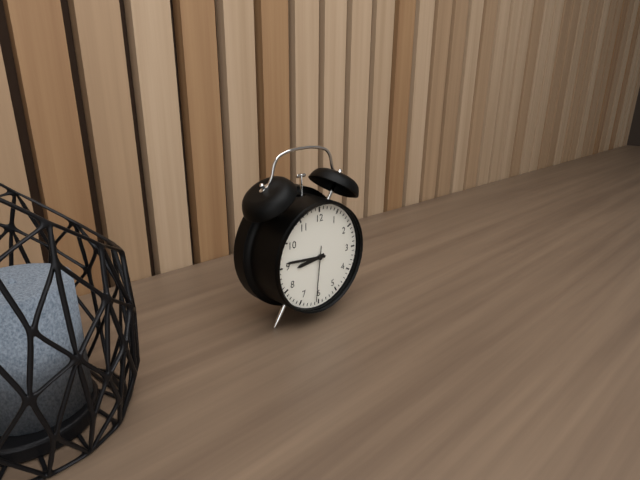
8:46:31
